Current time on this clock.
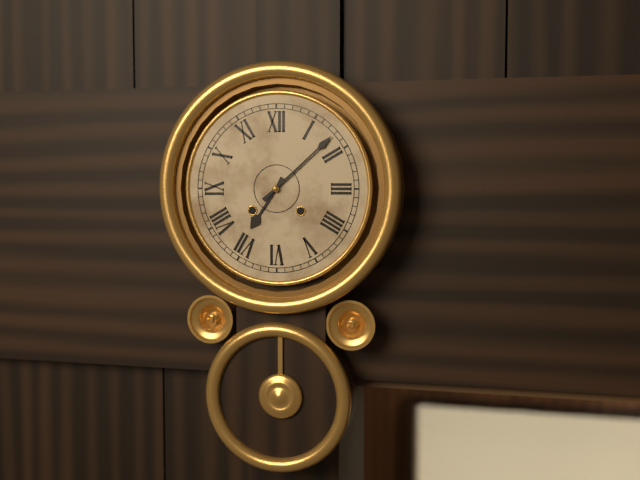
7:08
